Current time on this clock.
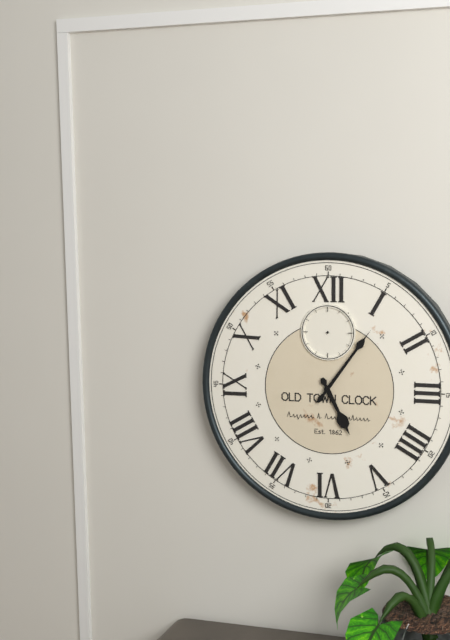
5:06
